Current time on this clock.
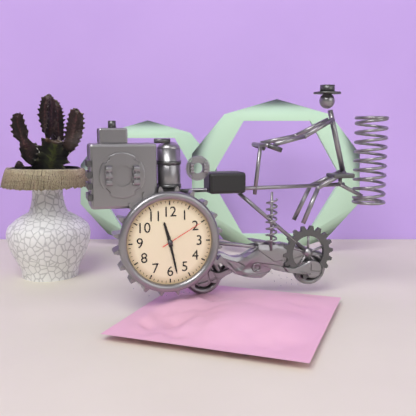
11:28
